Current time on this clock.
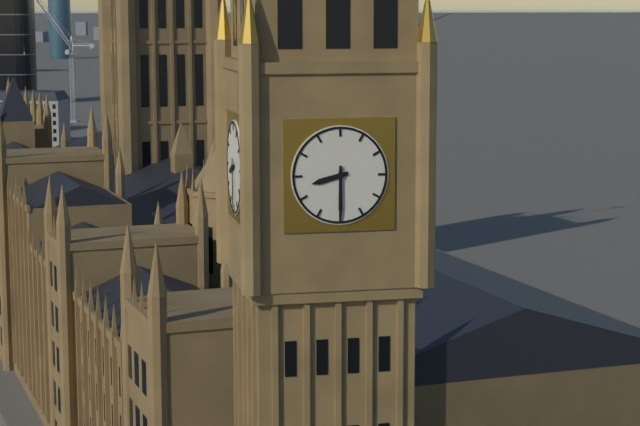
8:30
